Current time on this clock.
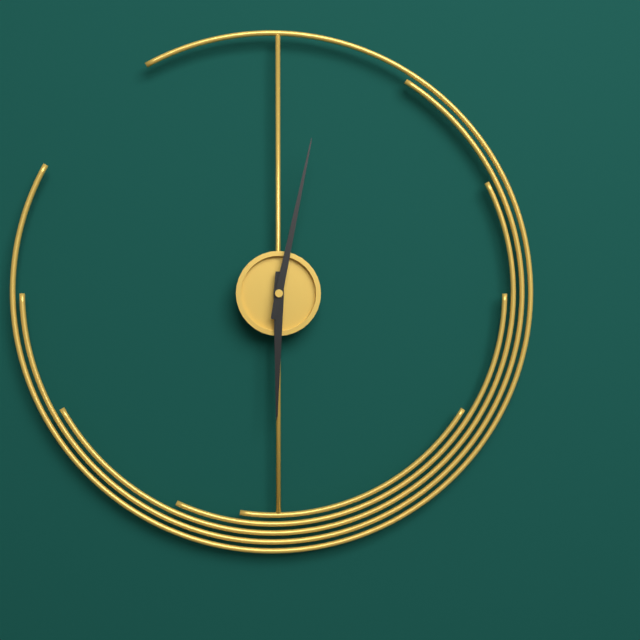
6:02
